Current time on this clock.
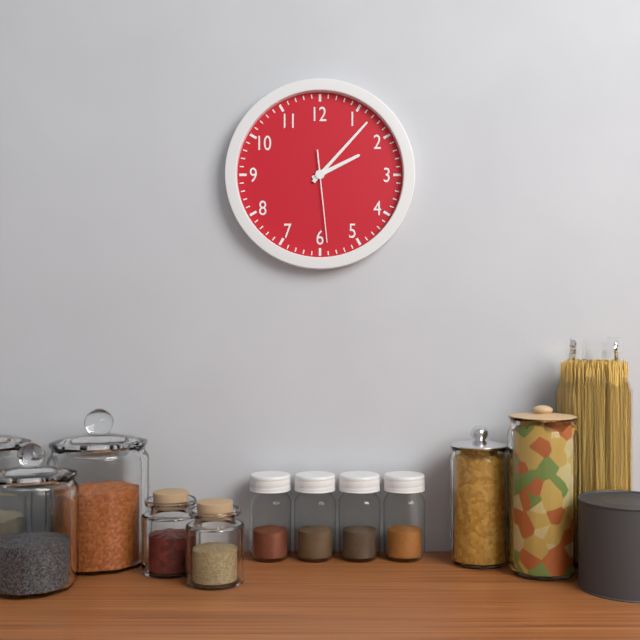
2:07:29
